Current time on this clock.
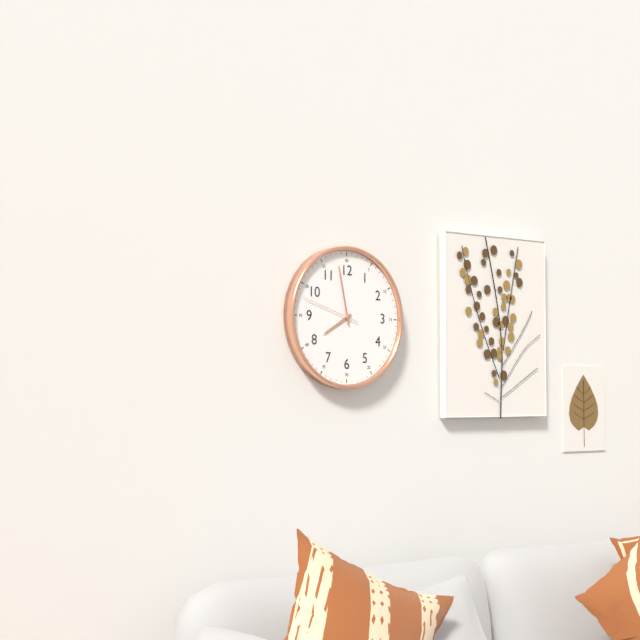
7:58:48
